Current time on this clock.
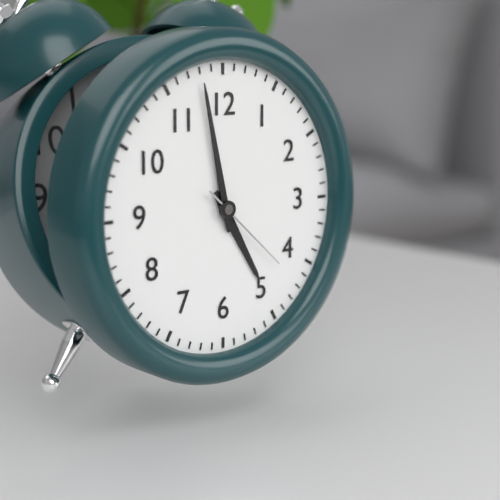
4:58:22
